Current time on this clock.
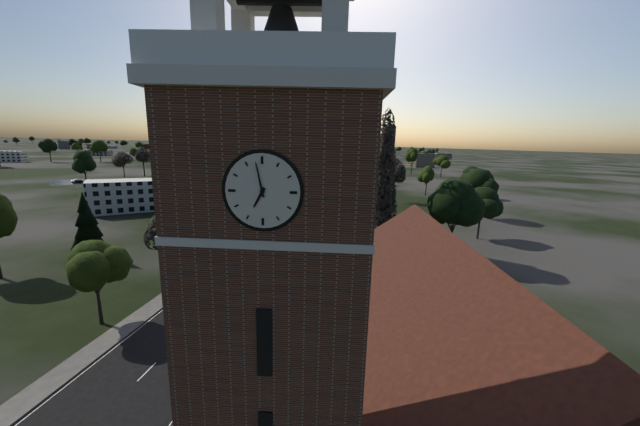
6:58
